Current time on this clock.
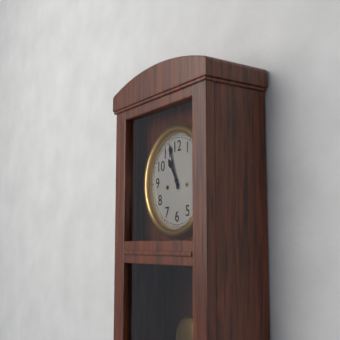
10:57
